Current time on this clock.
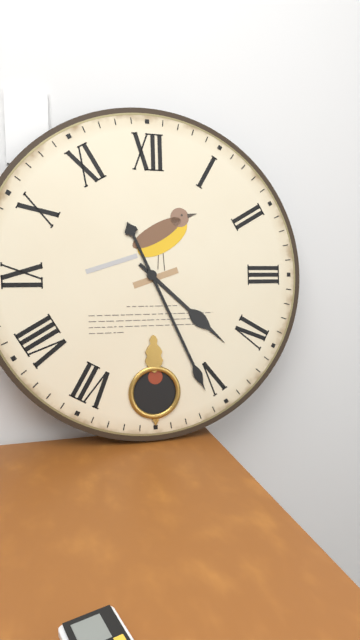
4:26
